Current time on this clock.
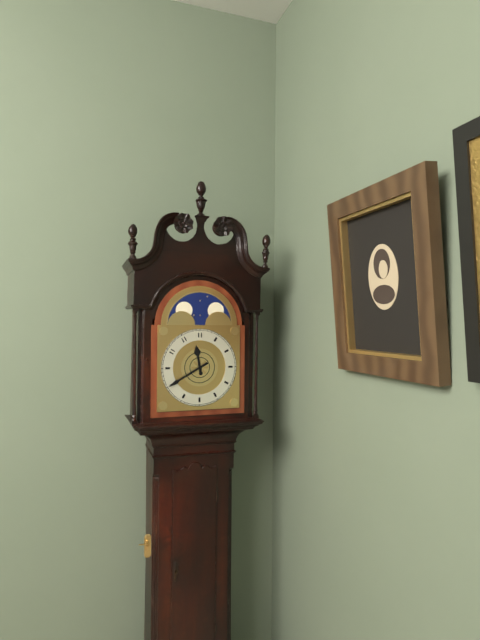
11:40
